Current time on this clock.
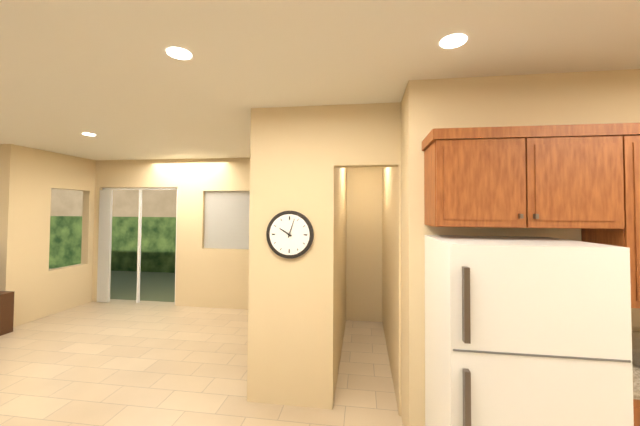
10:03
